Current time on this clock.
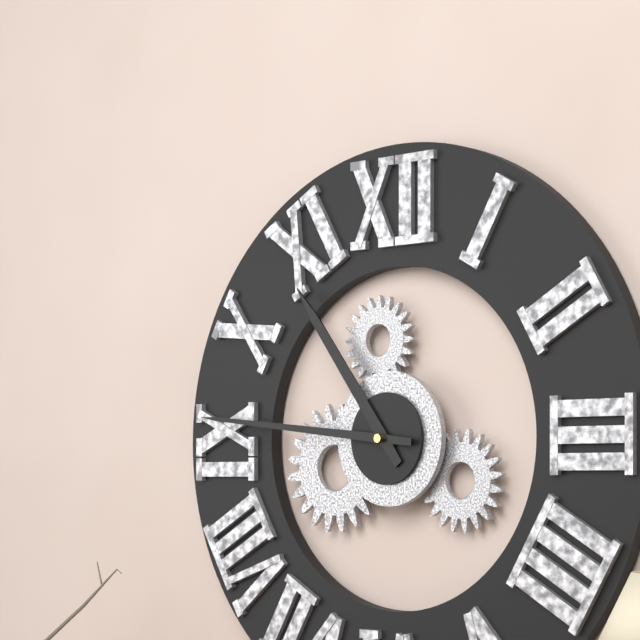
10:46
